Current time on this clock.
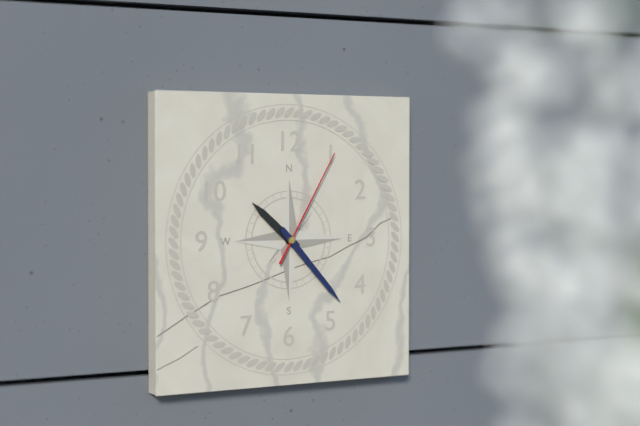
10:23:05
